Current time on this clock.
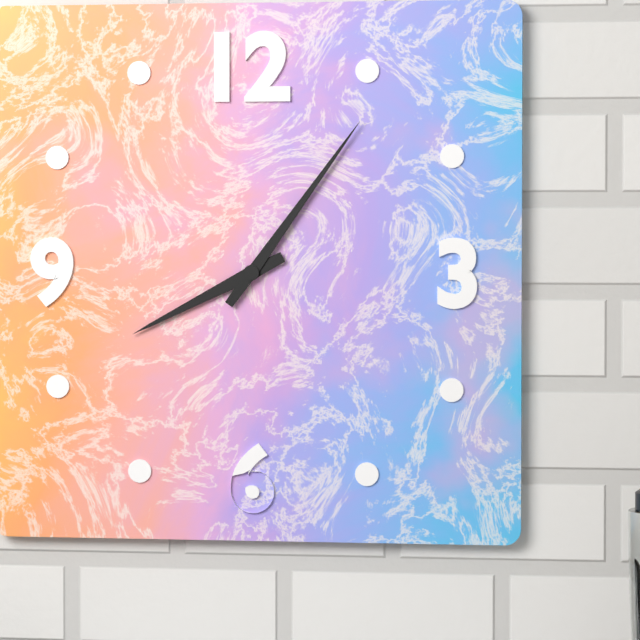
8:06
